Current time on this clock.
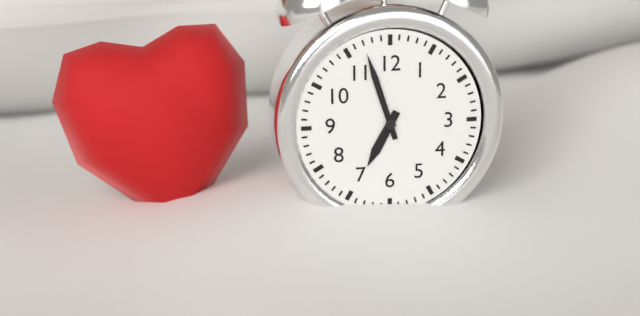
6:57
